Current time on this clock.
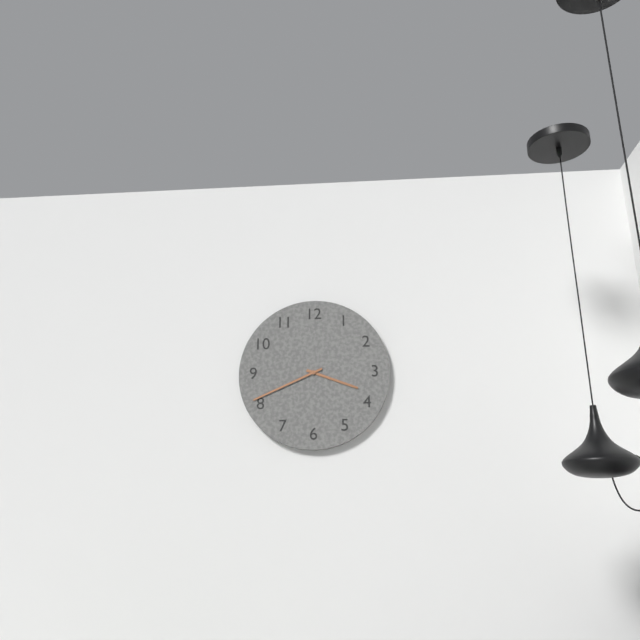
3:41
